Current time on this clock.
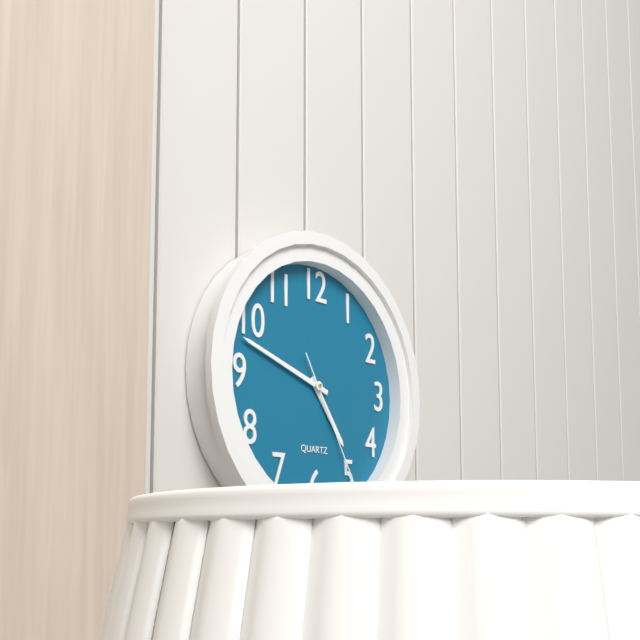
4:48:25
